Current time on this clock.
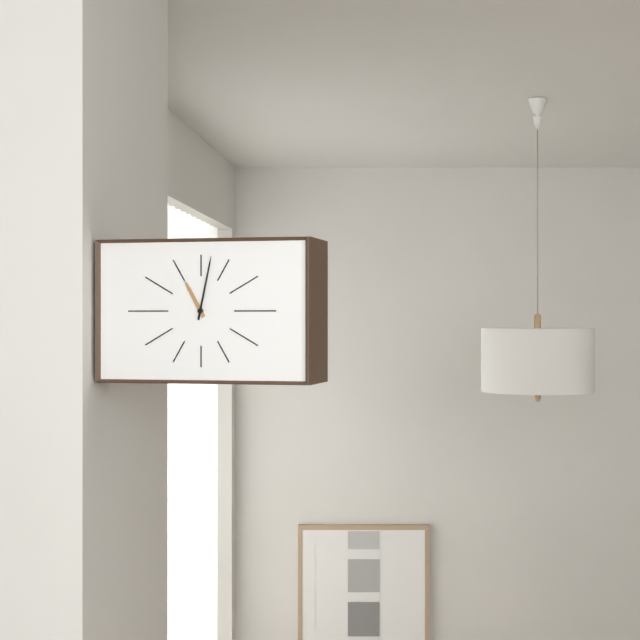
11:02
